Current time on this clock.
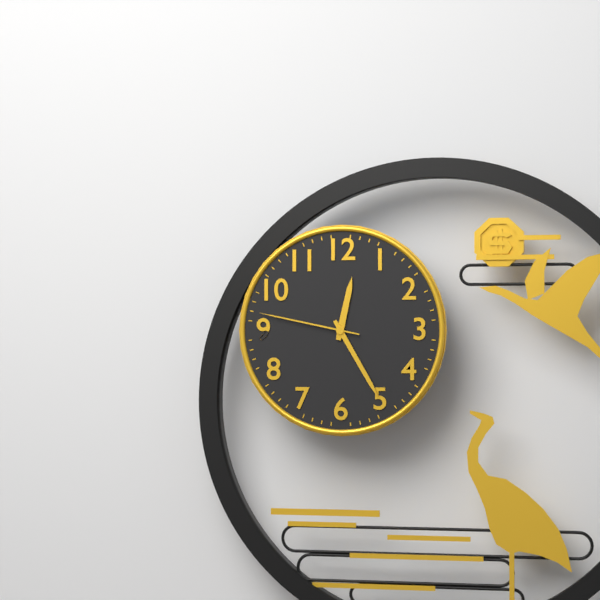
12:25:47
